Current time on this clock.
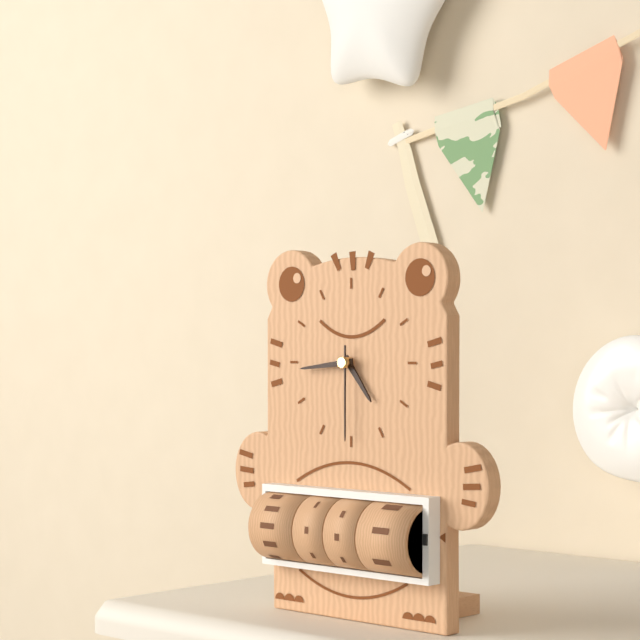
4:44:30
